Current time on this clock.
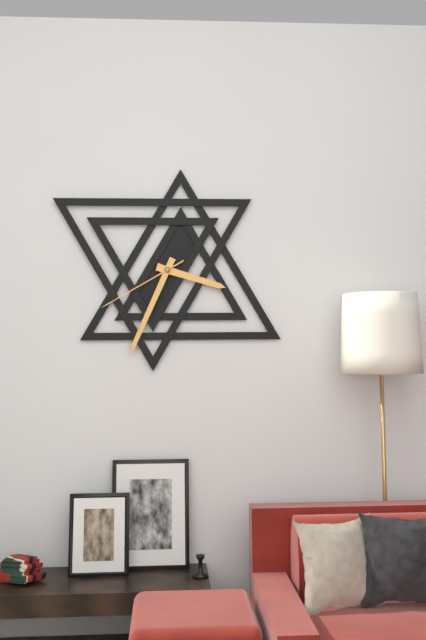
3:34:40
